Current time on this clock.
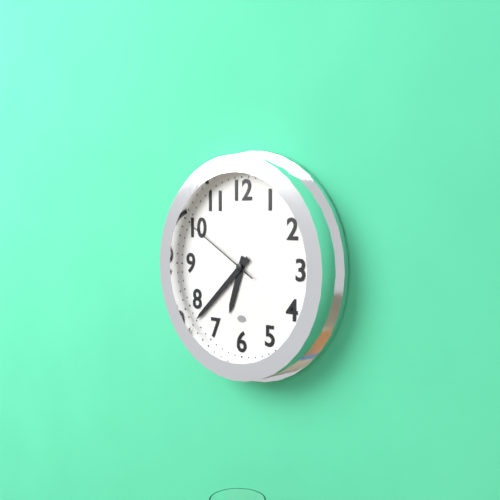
6:38:50
